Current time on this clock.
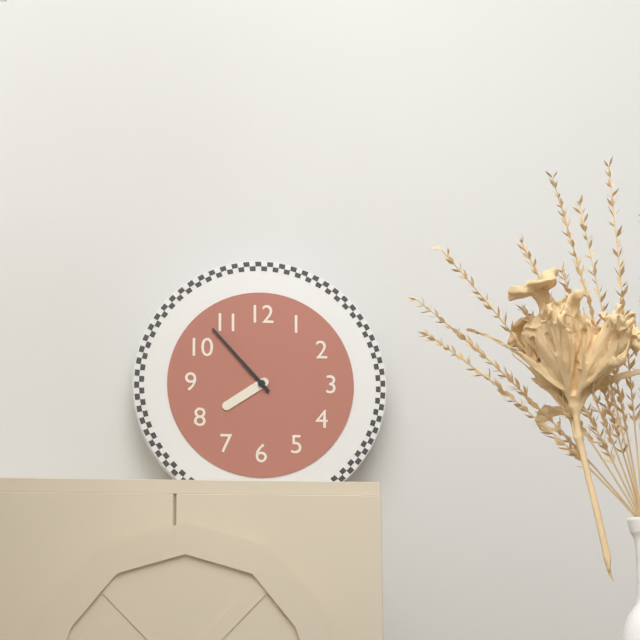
7:53
